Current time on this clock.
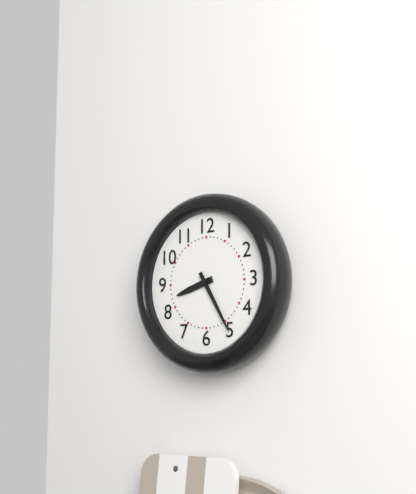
8:25
